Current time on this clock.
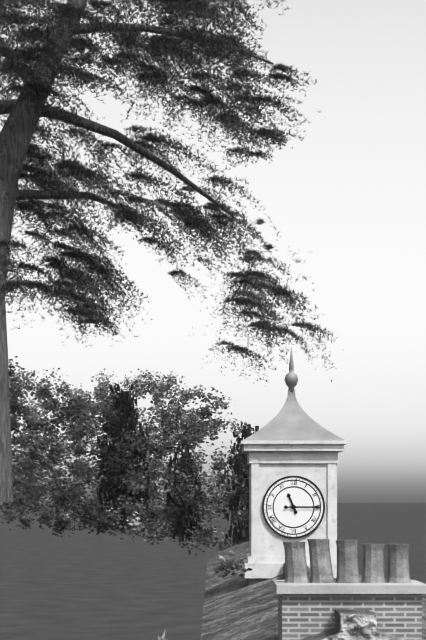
11:15
